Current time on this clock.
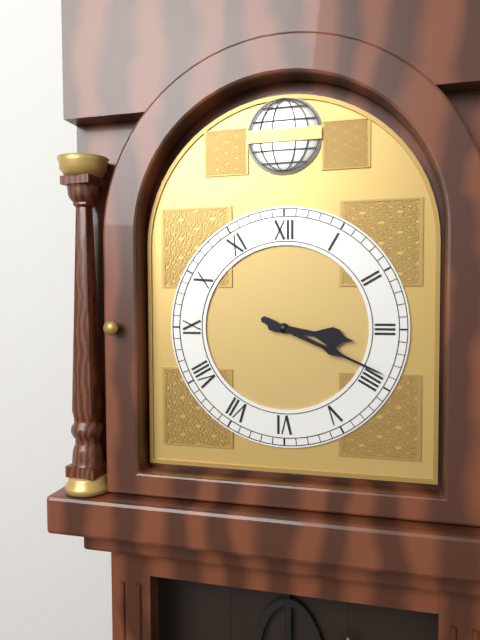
3:19
